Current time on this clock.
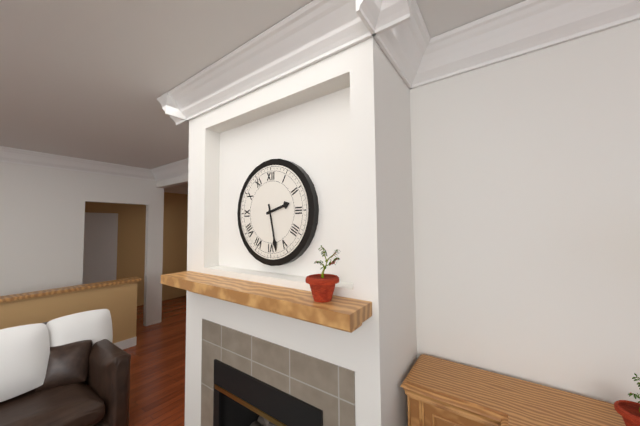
2:28
